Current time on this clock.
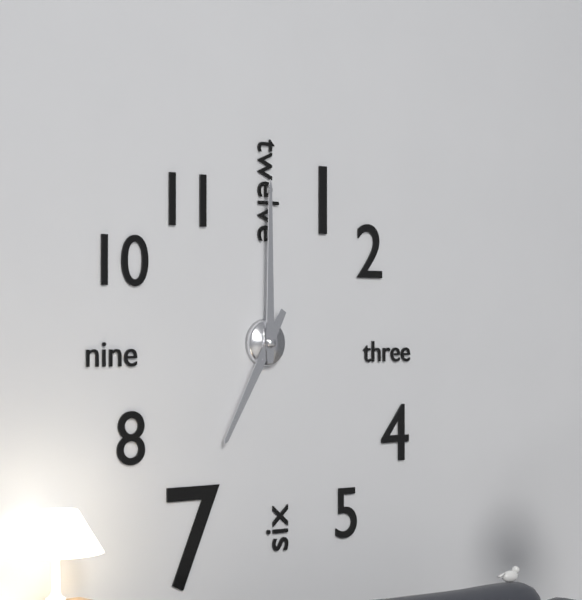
7:00
